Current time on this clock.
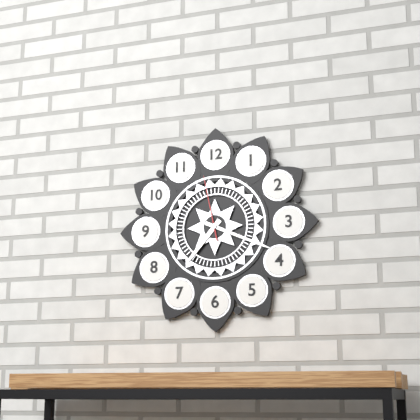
7:19:58
